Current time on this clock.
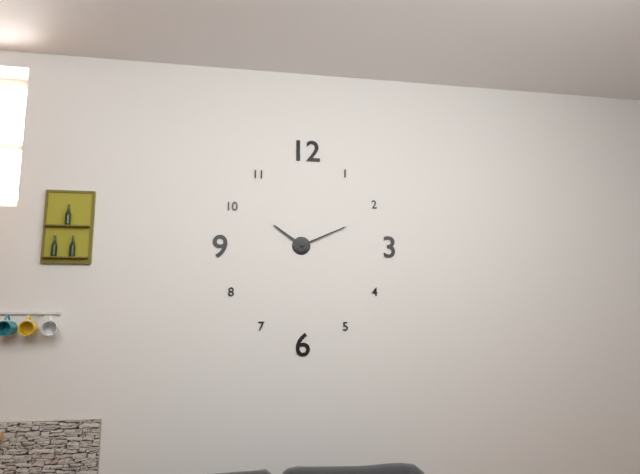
10:11
